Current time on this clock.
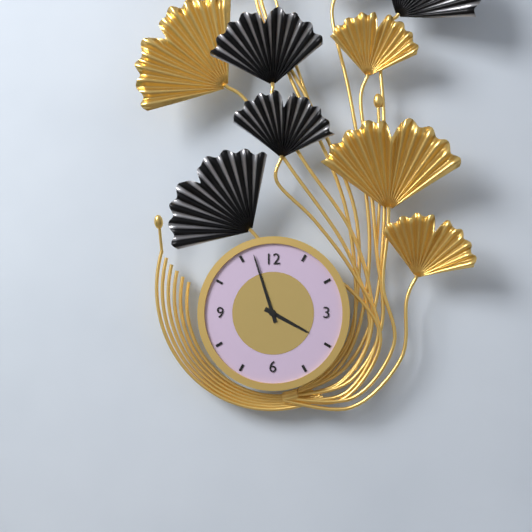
3:57
